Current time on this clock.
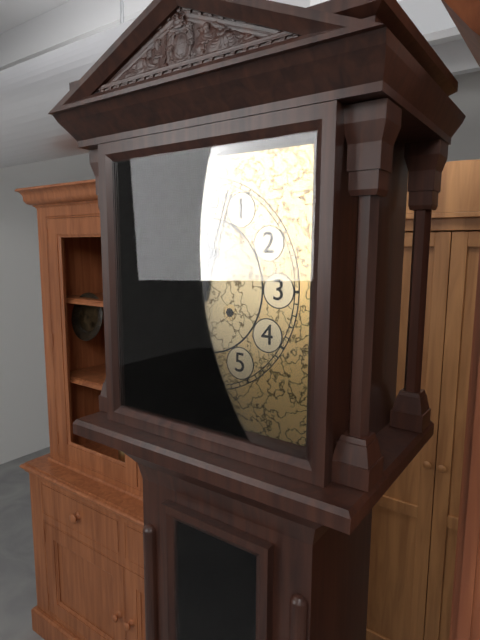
12:03
